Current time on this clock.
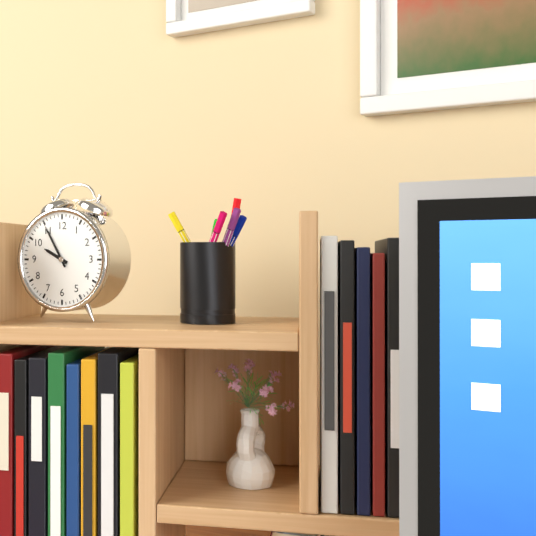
9:55
